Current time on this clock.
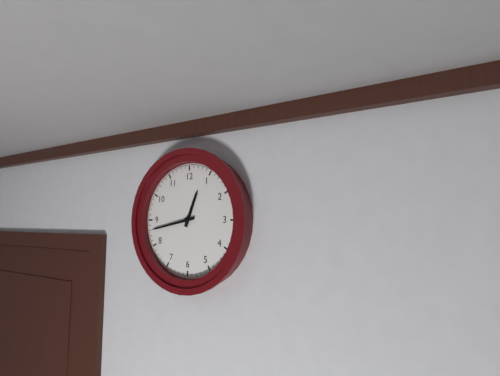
12:43
